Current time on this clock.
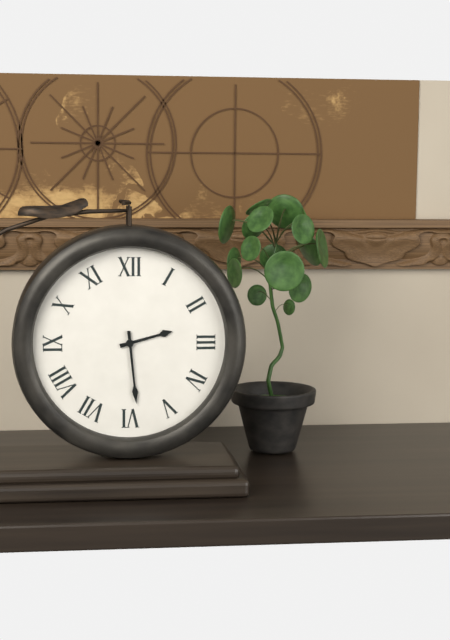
2:29
